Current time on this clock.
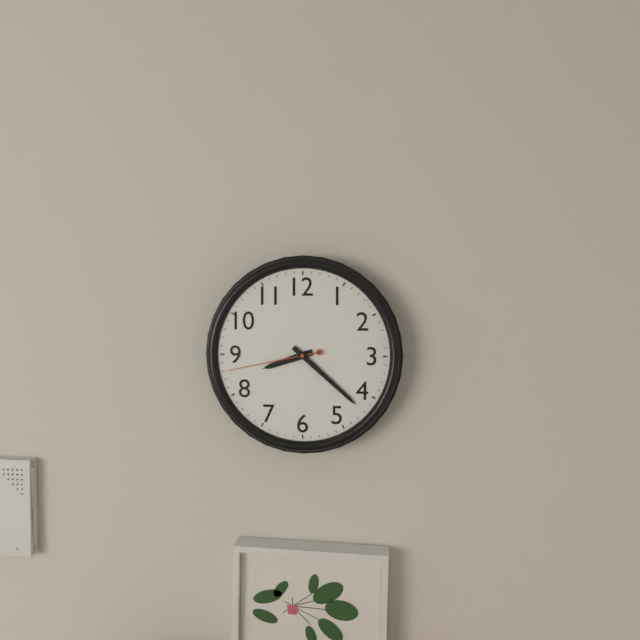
8:22:43
